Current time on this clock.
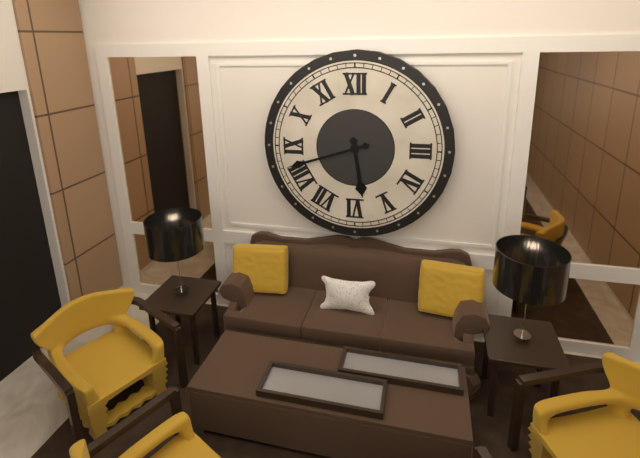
5:42
